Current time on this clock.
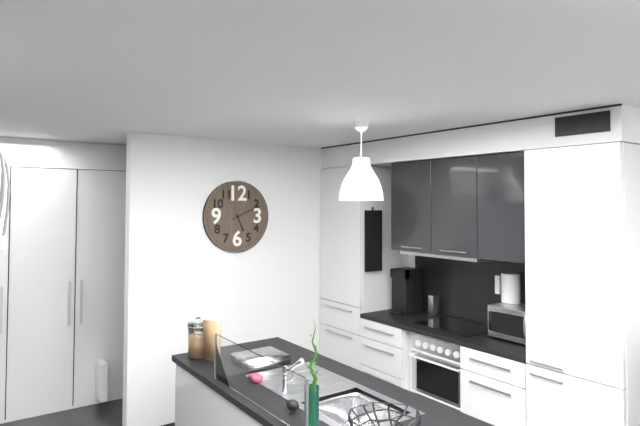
5:11
